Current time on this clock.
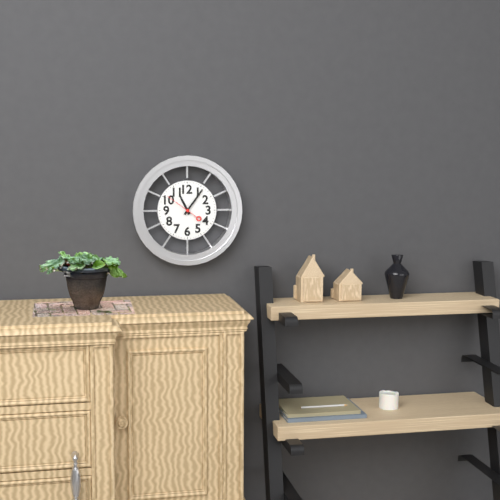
11:06
